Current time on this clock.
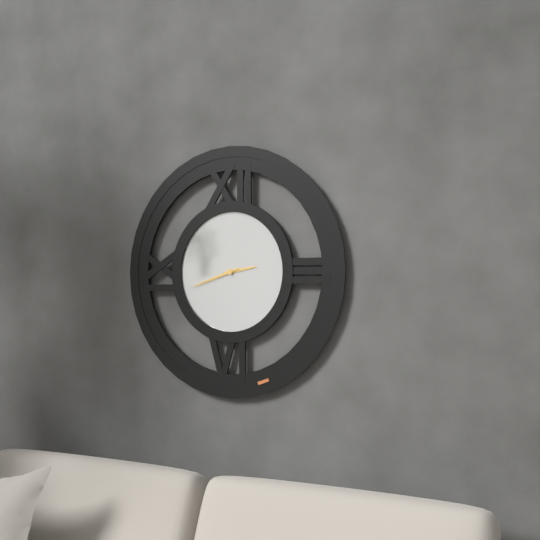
2:42
